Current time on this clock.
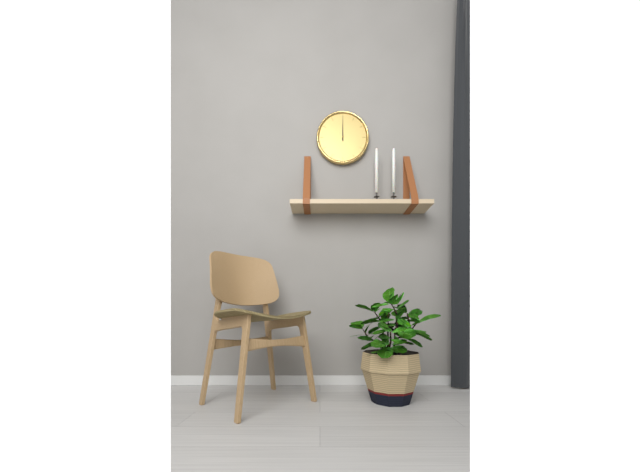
12:00
